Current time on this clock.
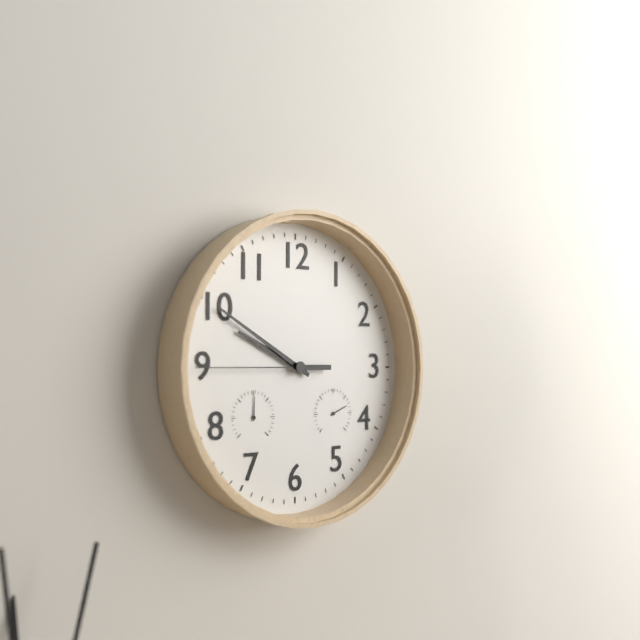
9:50:45
